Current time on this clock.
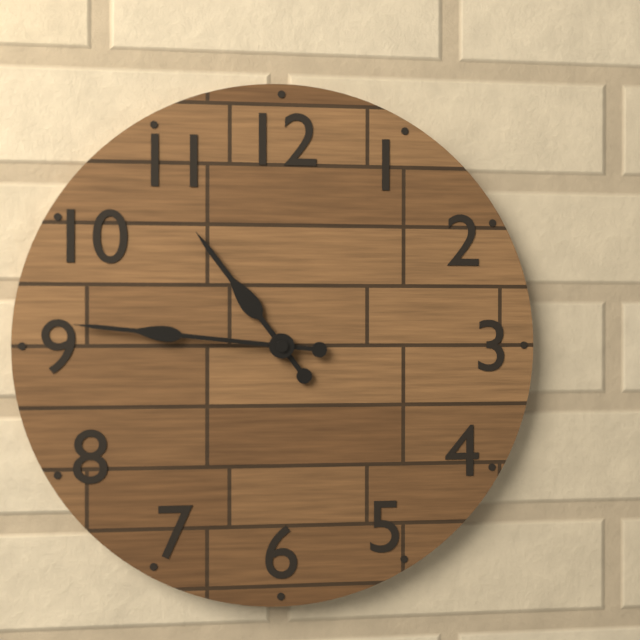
10:46
